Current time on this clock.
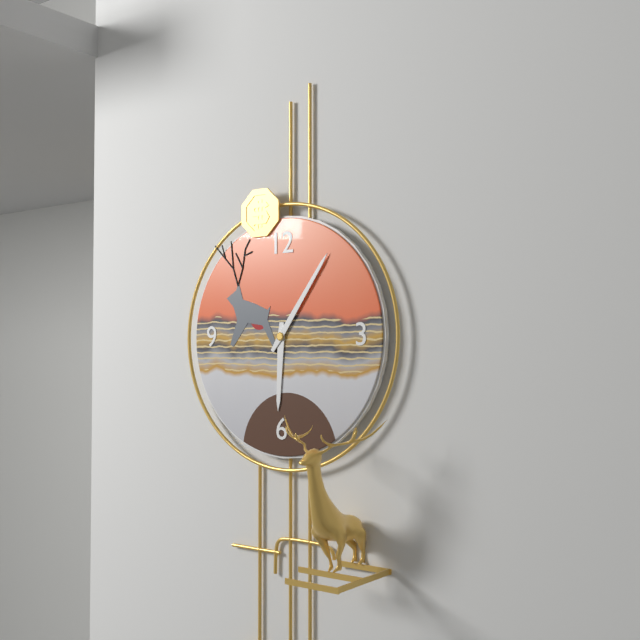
6:06
